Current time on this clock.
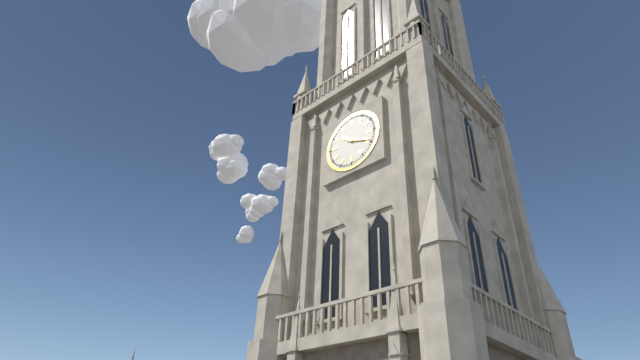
10:19
